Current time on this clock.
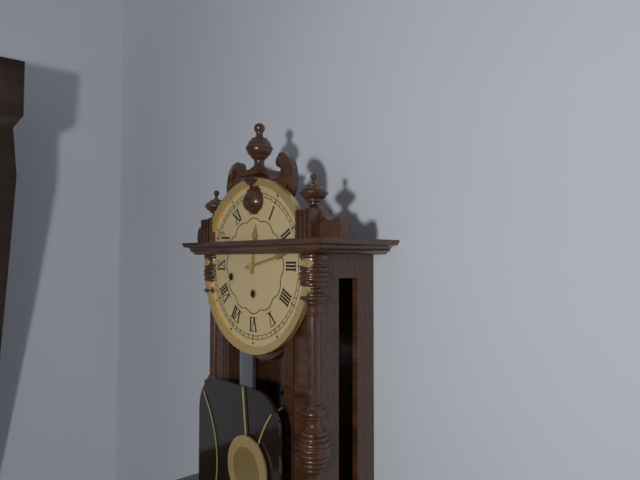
12:13
